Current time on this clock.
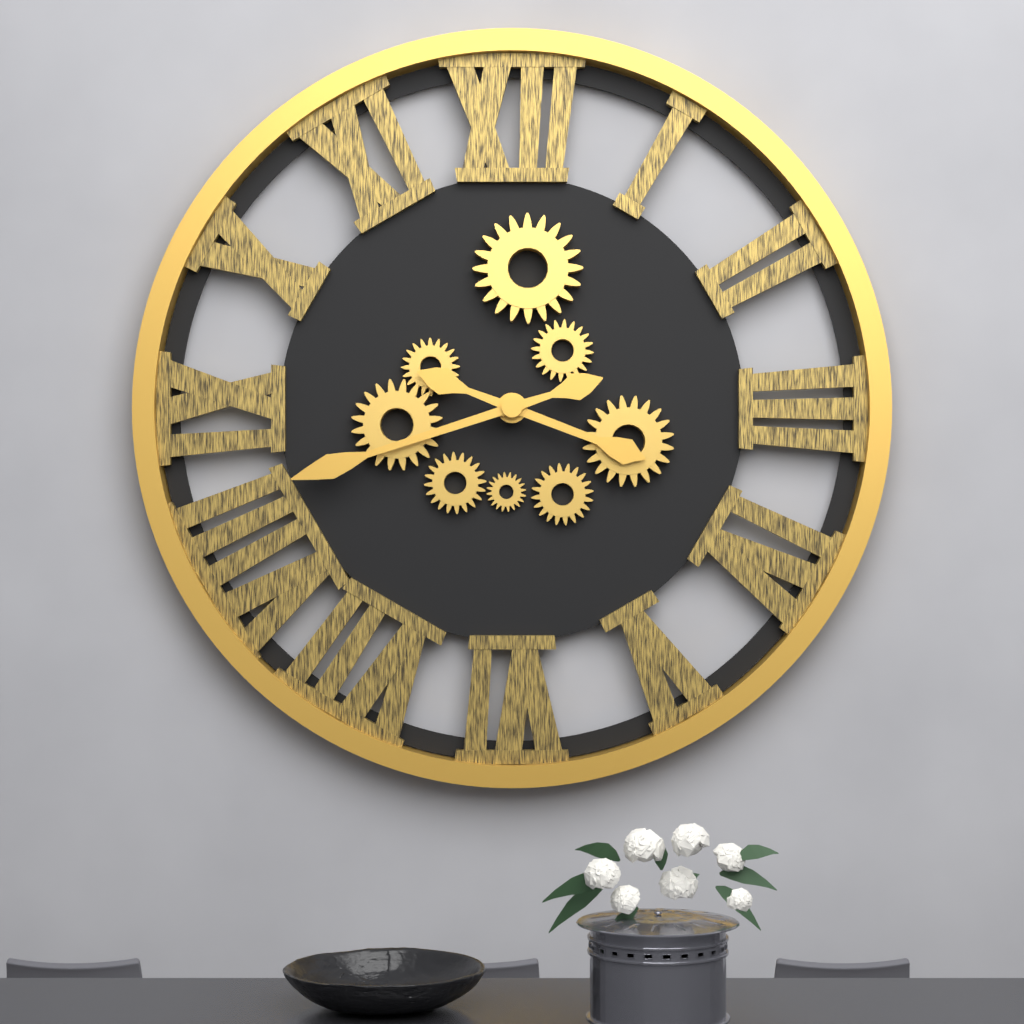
3:42
